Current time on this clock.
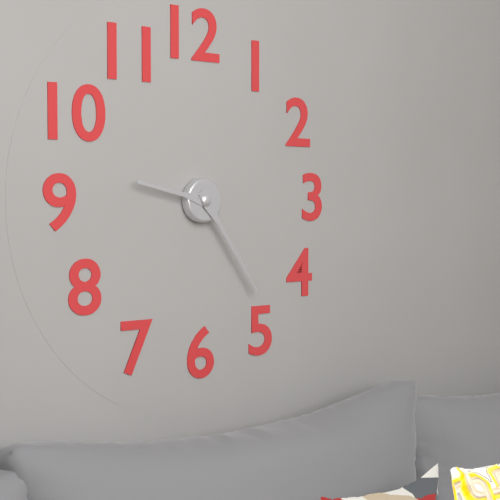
9:24
